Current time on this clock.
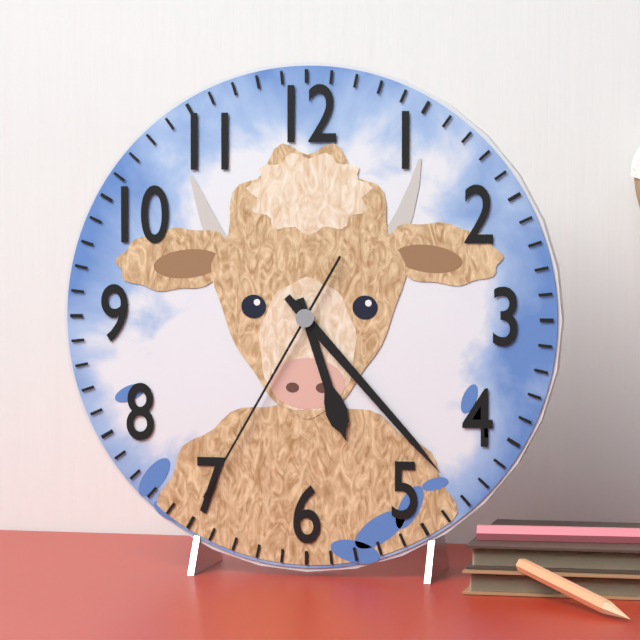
5:23:35
